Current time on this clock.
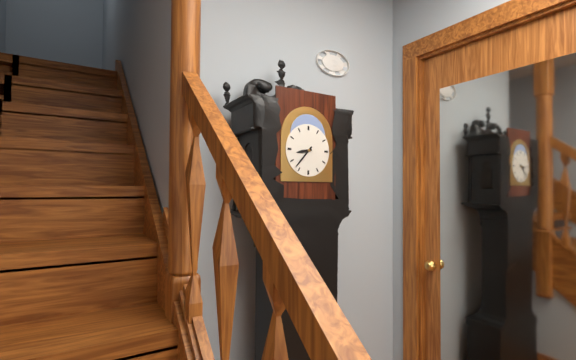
8:37
